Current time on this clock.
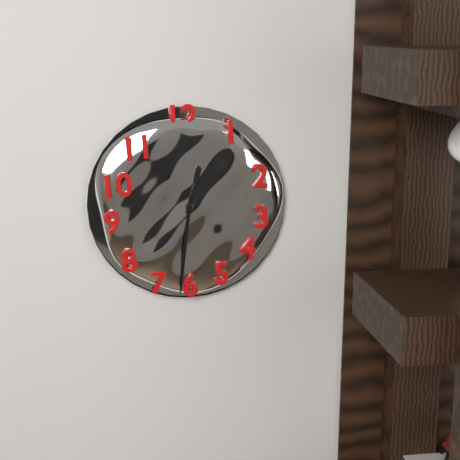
12:31
